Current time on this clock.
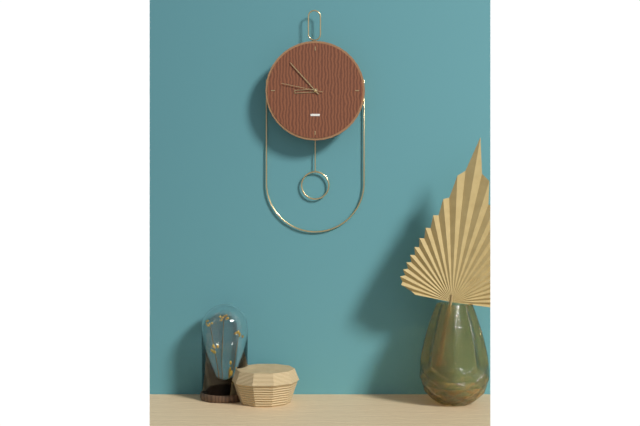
8:53
